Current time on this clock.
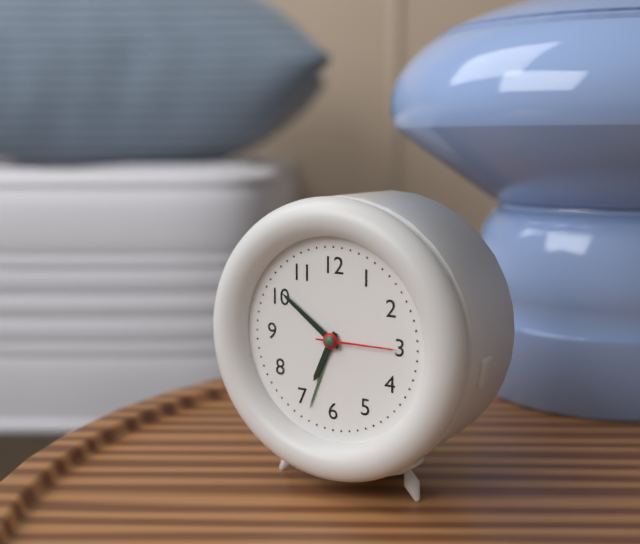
6:51:15
